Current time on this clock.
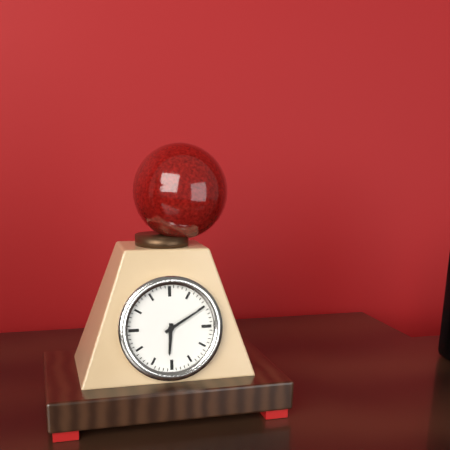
6:10
